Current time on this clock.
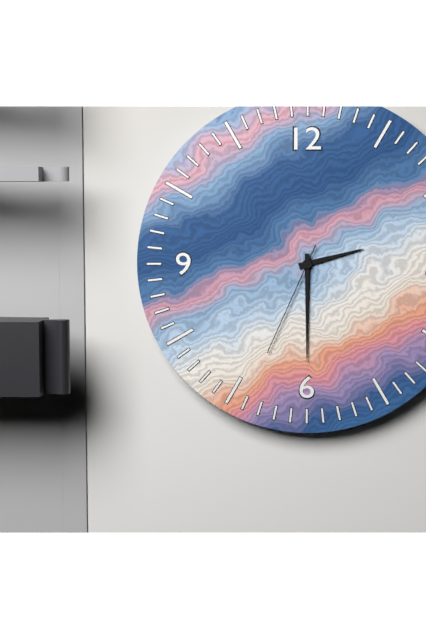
2:30:34
